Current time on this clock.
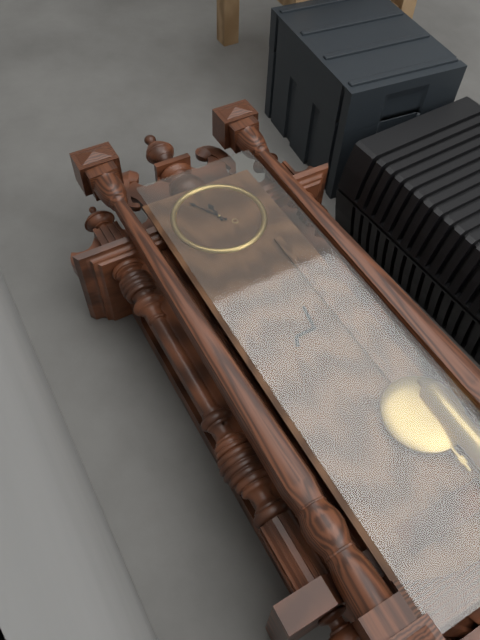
11:55
